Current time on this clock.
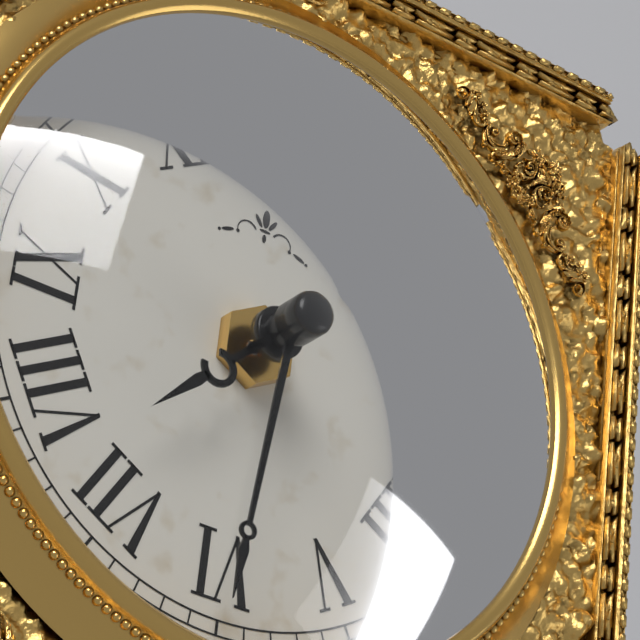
7:31
